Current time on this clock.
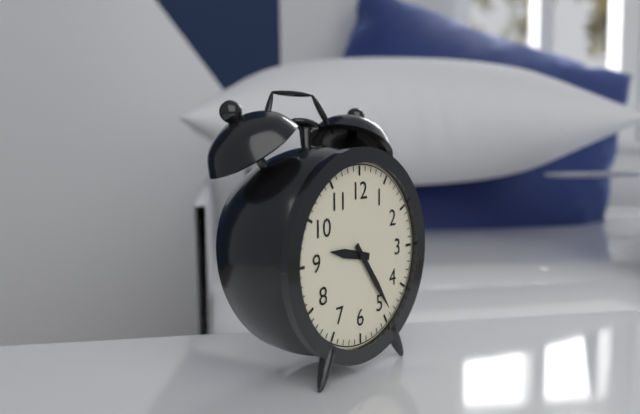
9:24
